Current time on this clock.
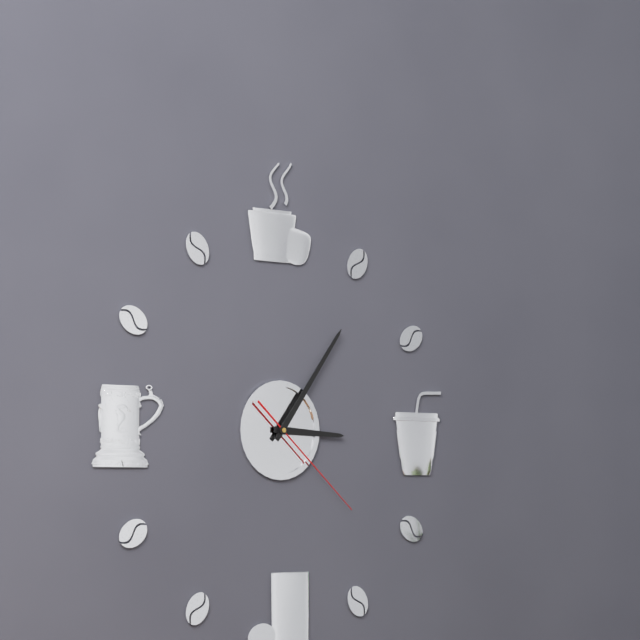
3:06:22
